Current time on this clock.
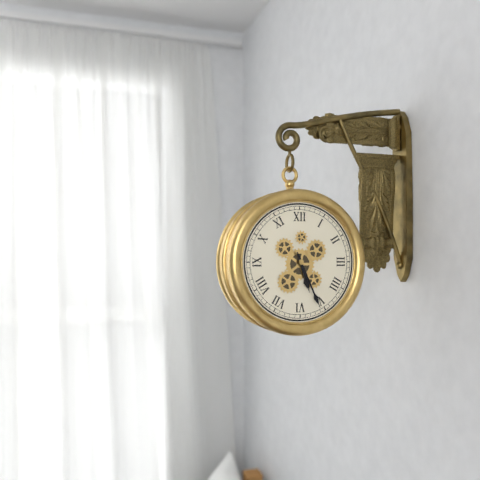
5:26
